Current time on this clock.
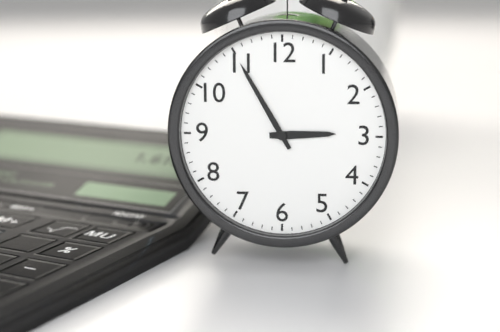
2:55
